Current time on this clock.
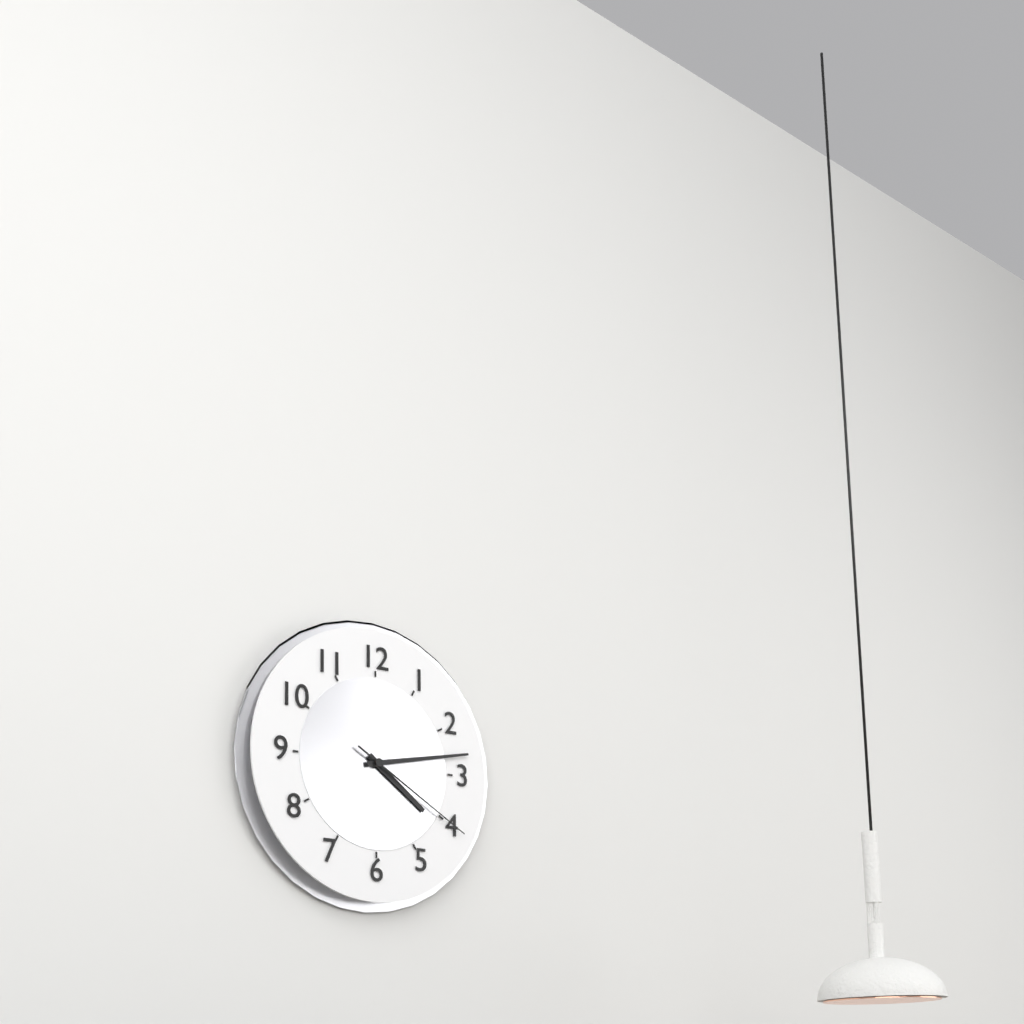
4:13:20
